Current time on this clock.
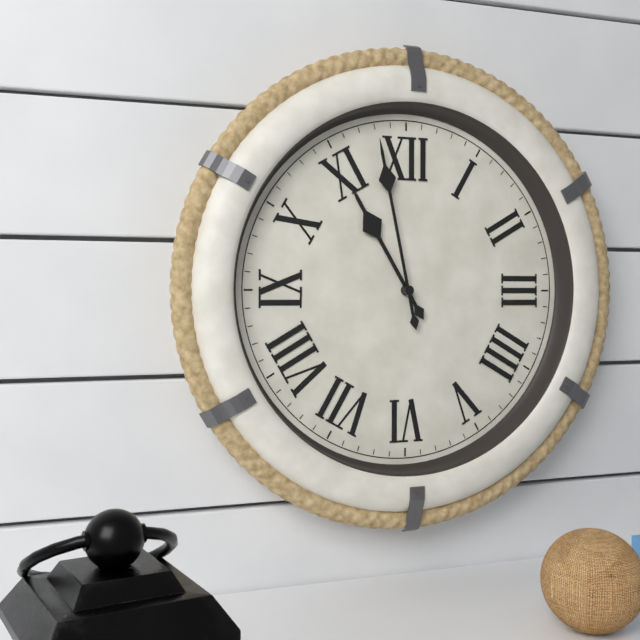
10:58
